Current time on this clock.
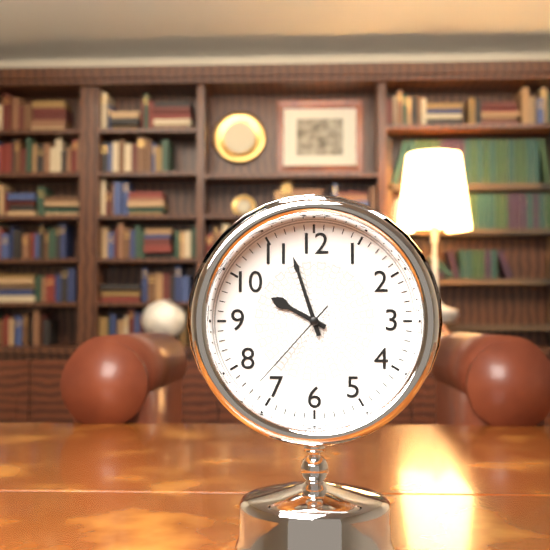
9:57:37
